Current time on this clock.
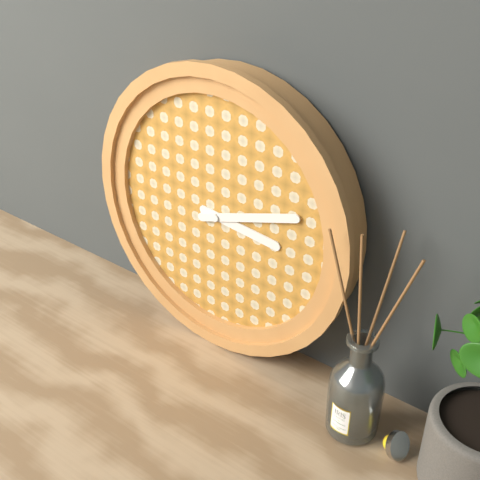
3:12
